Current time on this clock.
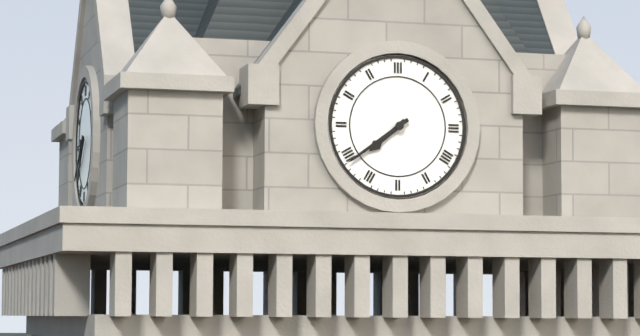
7:39
